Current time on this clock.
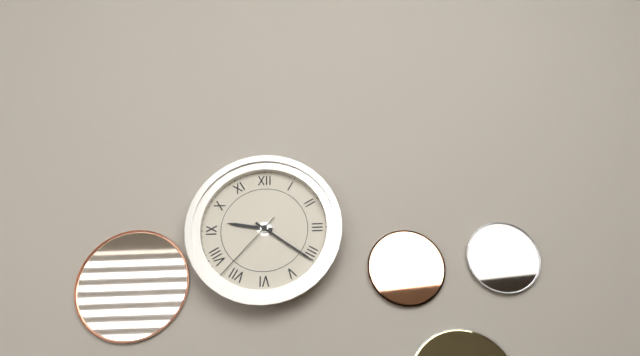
9:21:37
